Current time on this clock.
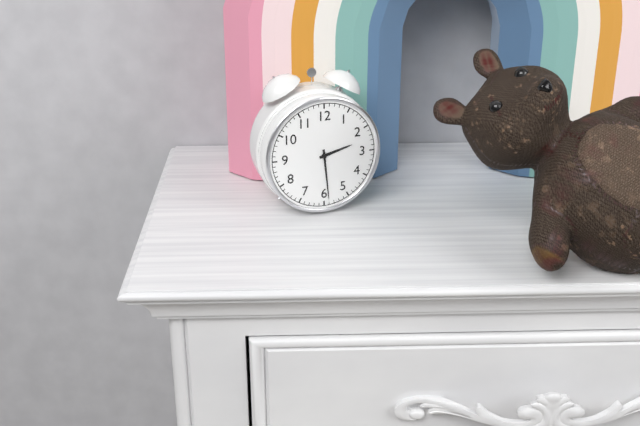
2:29
